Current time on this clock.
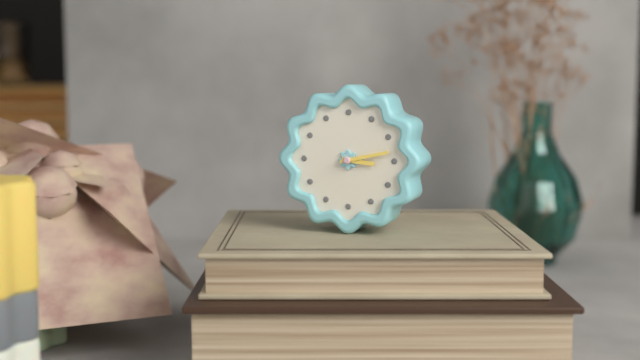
3:13
